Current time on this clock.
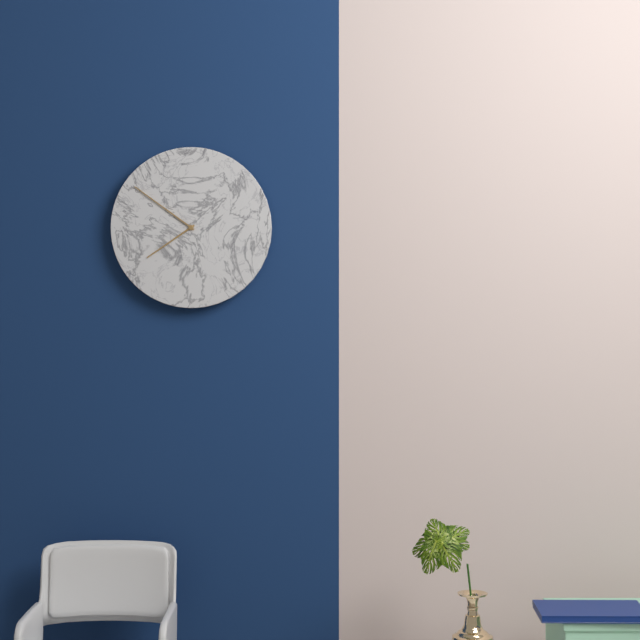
7:51
